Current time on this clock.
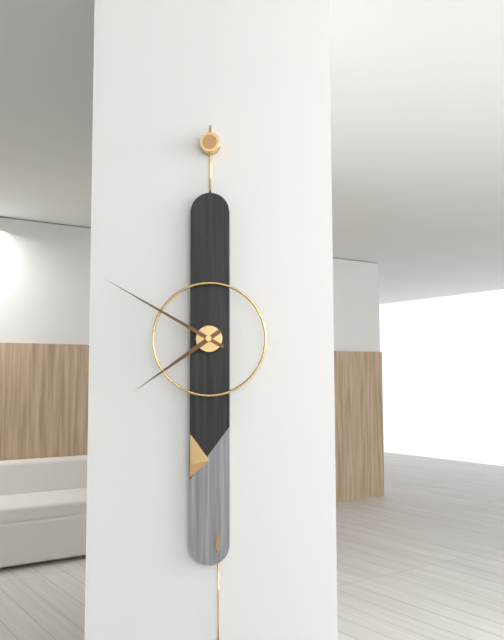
7:50
